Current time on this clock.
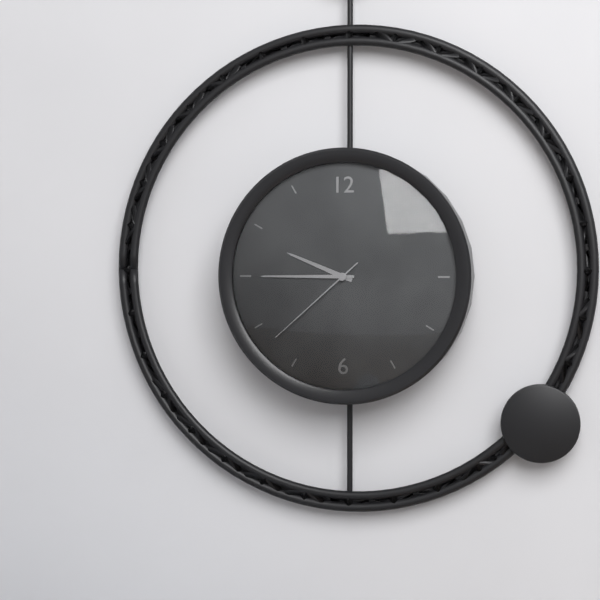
9:45:38
